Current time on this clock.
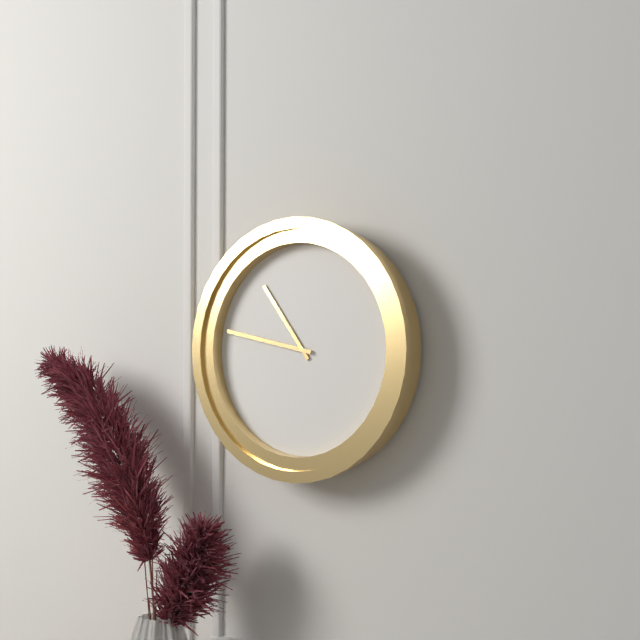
10:47
